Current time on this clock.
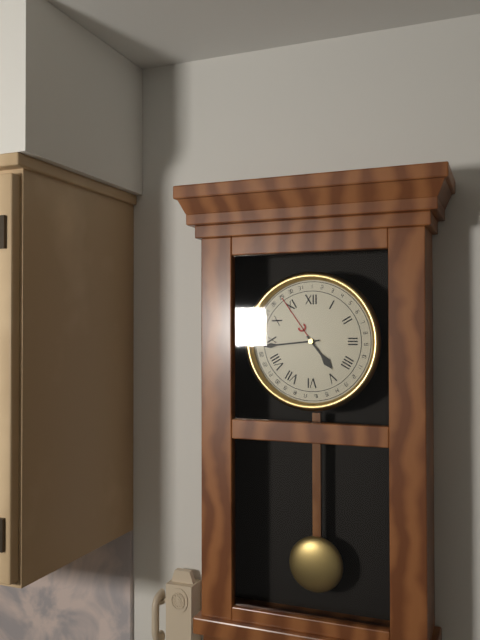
4:44
